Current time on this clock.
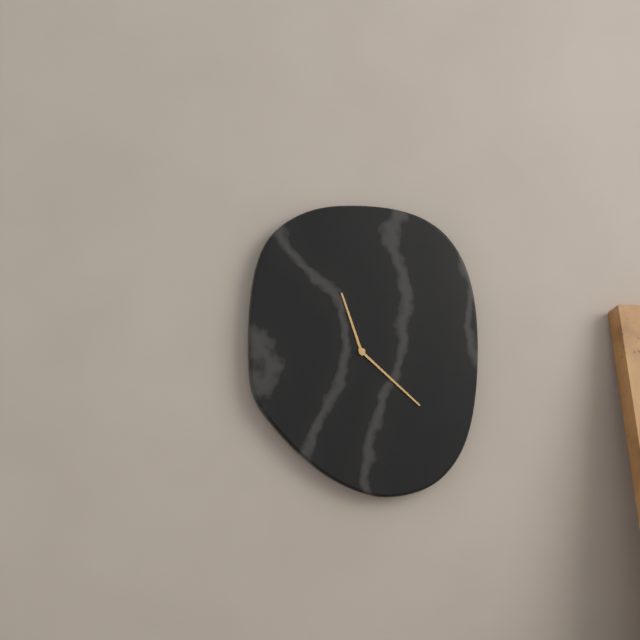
11:22
